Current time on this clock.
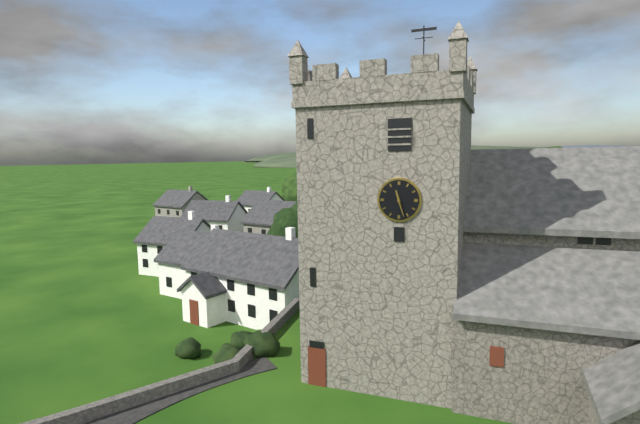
11:27
